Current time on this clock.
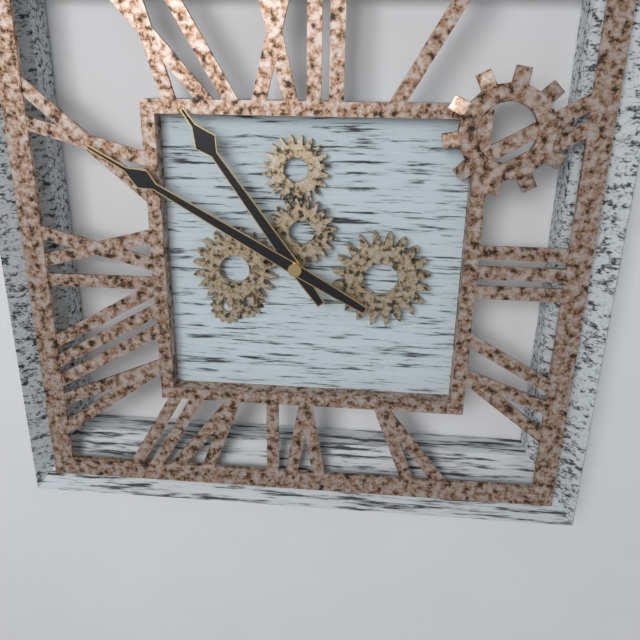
10:50
